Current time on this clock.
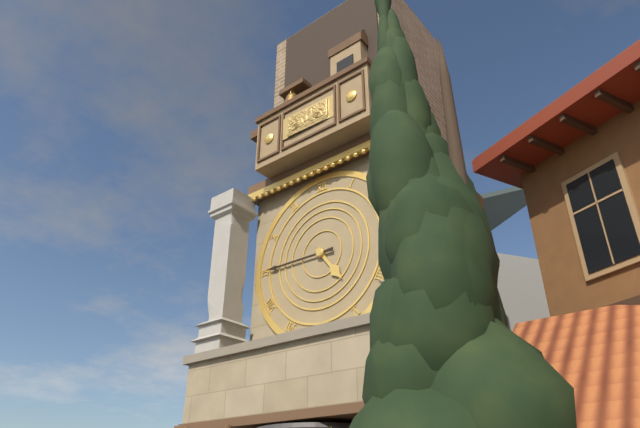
4:45
